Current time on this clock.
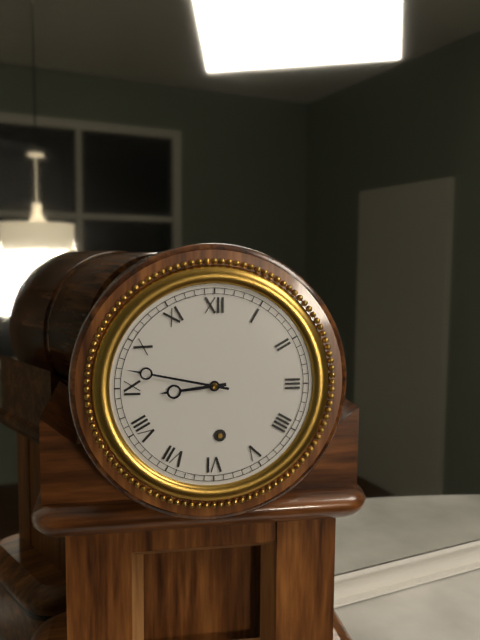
8:47
